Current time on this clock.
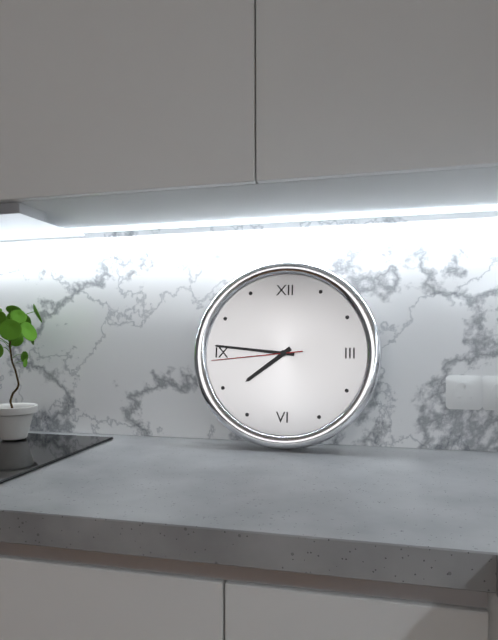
7:46:44
